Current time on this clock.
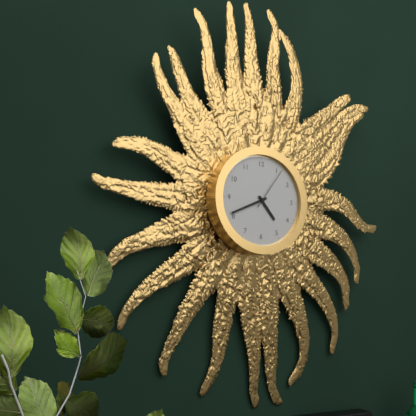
4:41
